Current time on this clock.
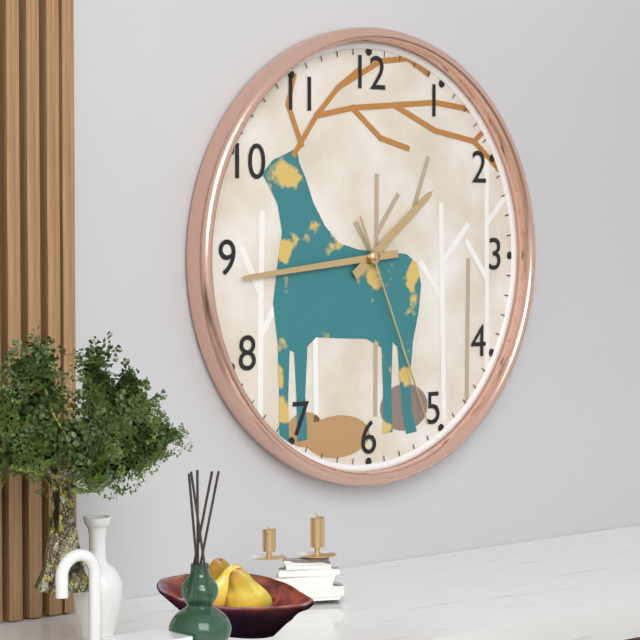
1:44:26
